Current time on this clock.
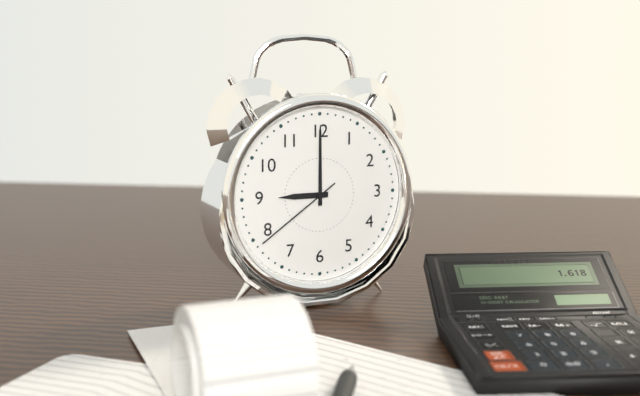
9:00:39
